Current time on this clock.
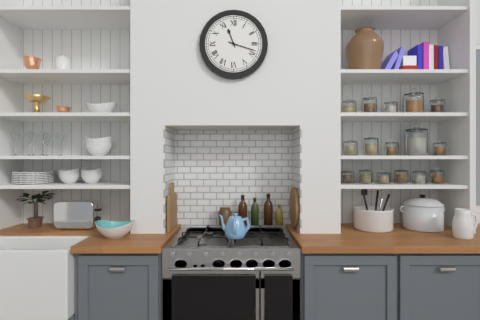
11:18
